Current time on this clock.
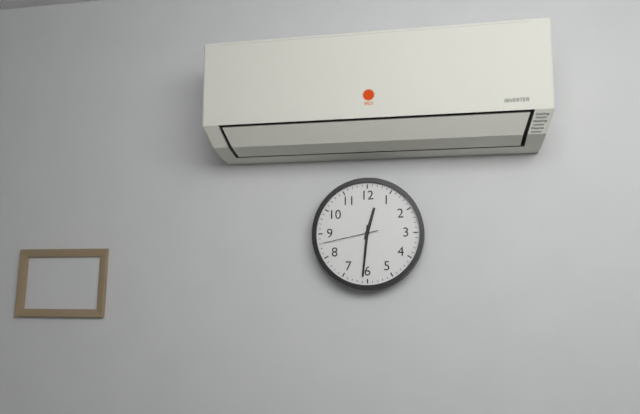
12:31:43
